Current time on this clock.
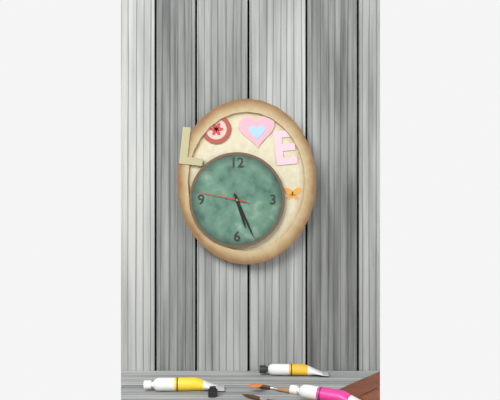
5:26:47
